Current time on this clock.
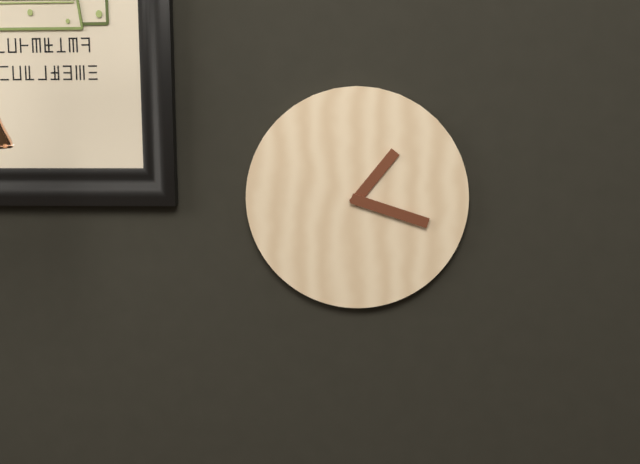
1:18
